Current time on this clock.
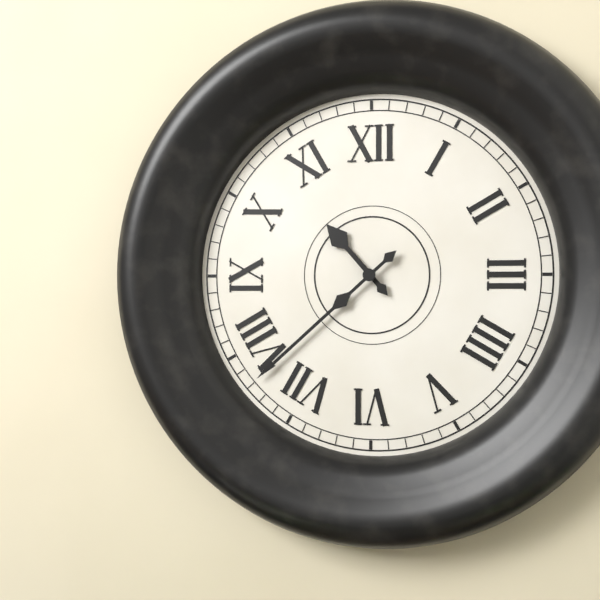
10:38
